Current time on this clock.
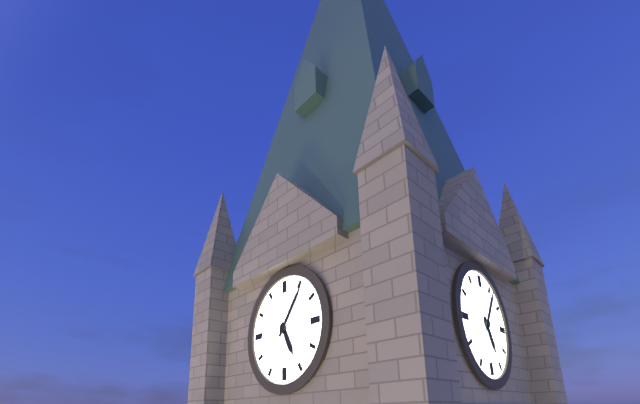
5:06
